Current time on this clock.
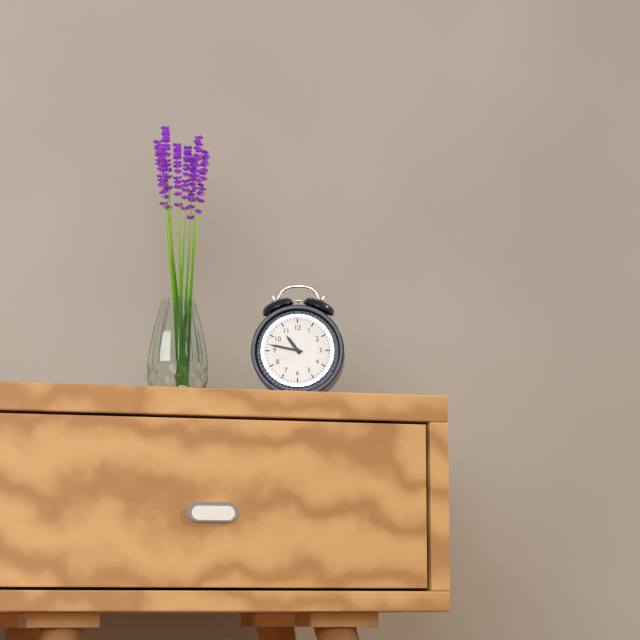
10:47
